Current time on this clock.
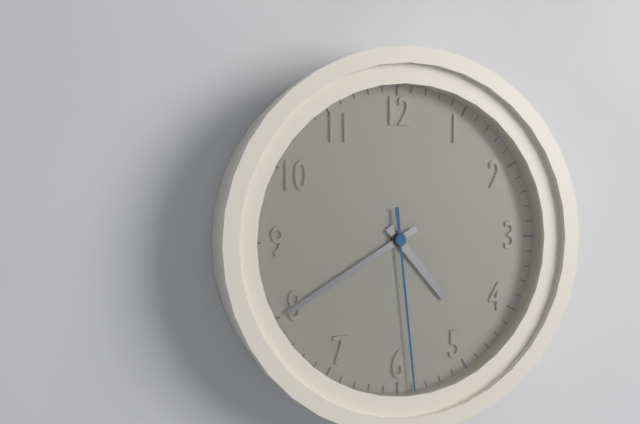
4:40:29
